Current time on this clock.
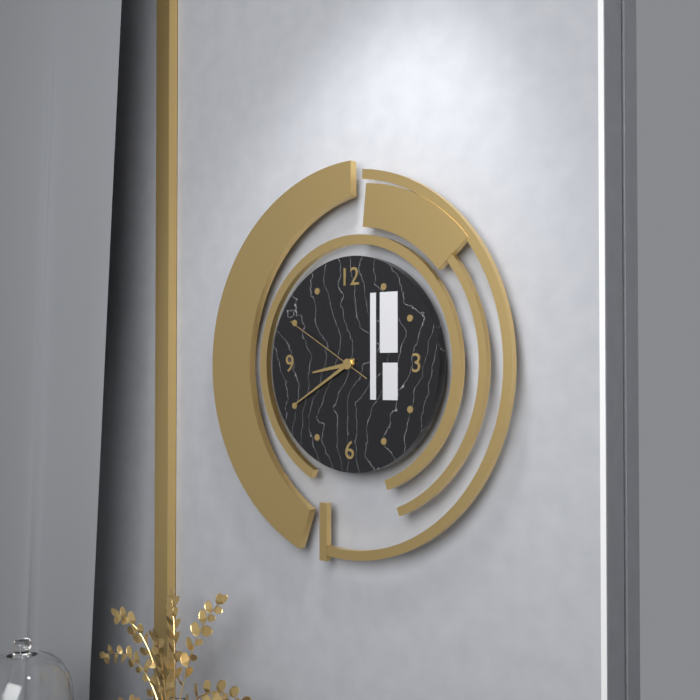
8:40:50
